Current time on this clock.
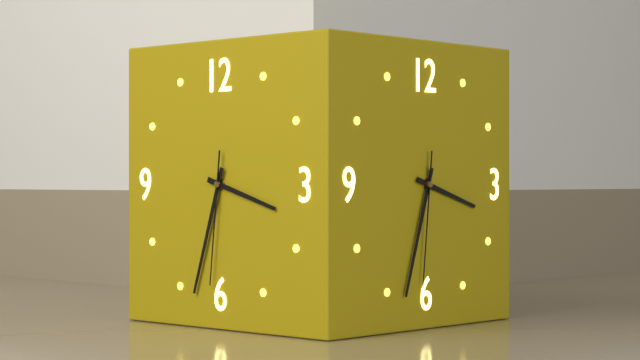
3:33:31
